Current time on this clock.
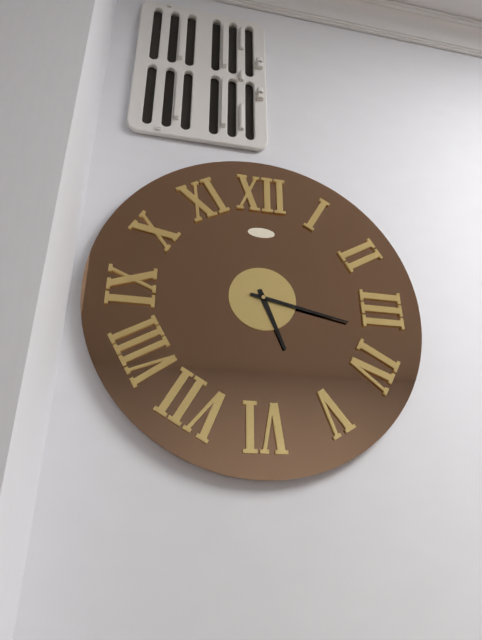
5:17
